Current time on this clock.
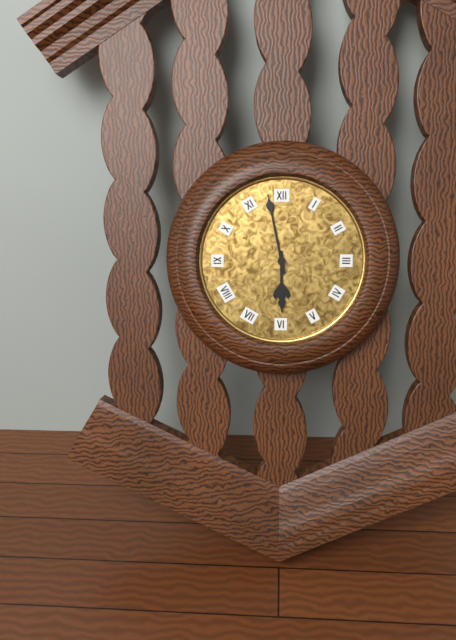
5:58
